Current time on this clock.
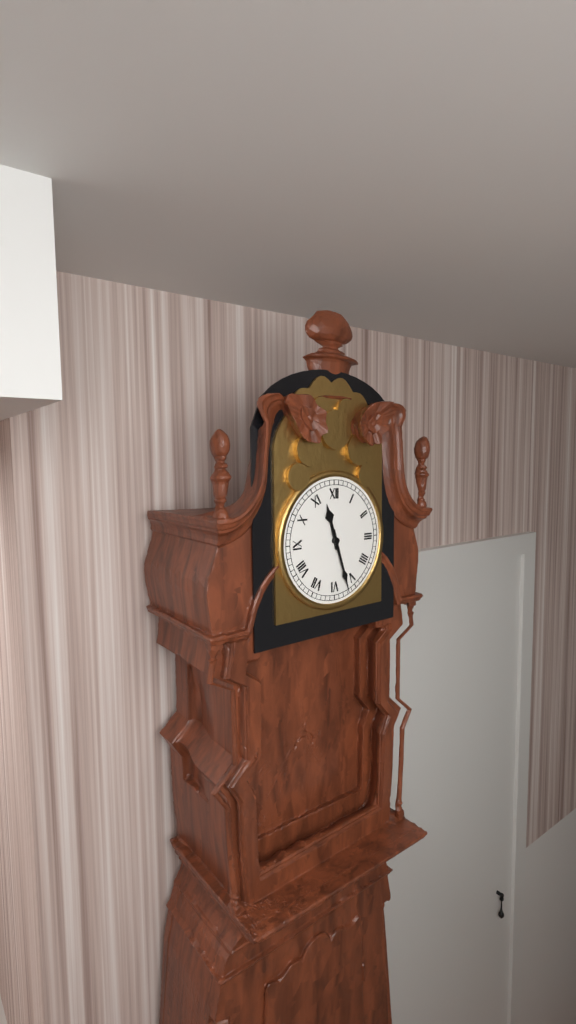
11:27
